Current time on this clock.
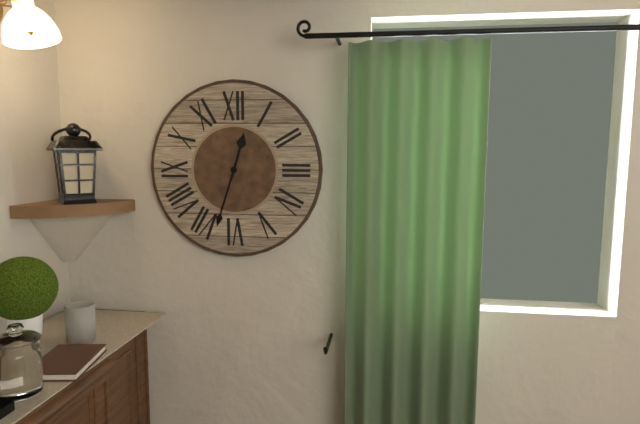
12:33
